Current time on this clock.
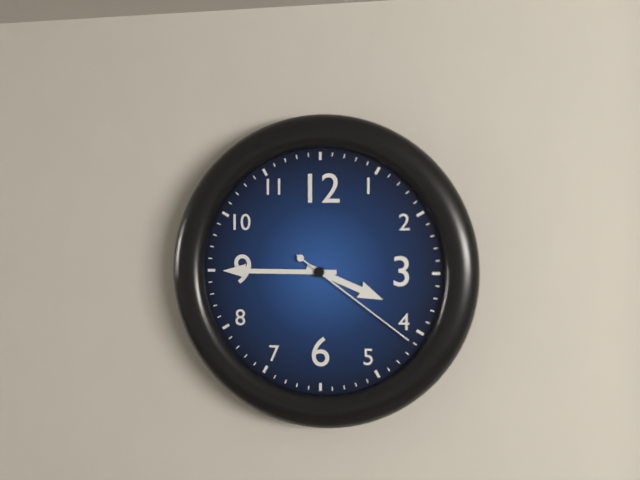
3:45:21
